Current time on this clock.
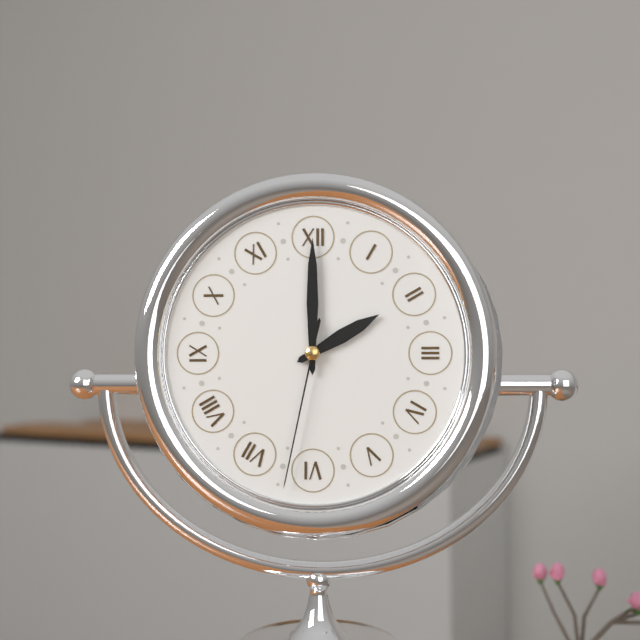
2:00:32
